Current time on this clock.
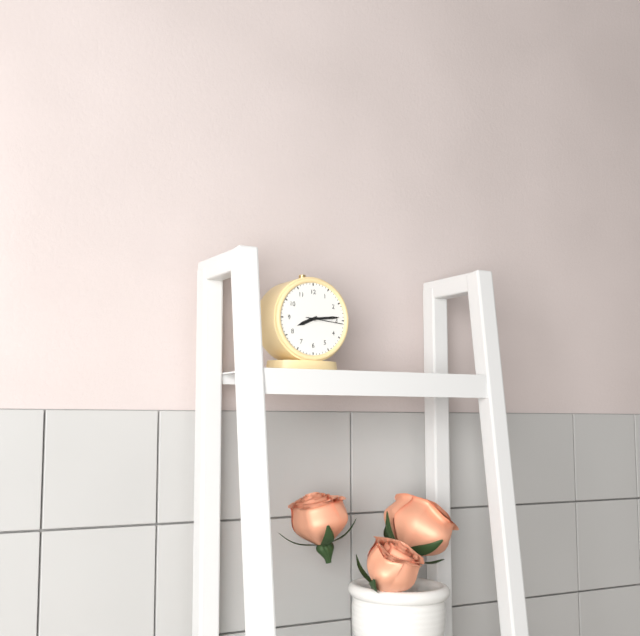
8:14
